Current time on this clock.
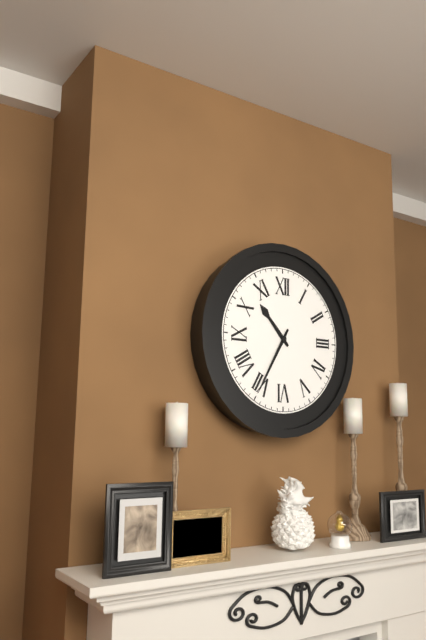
10:35
